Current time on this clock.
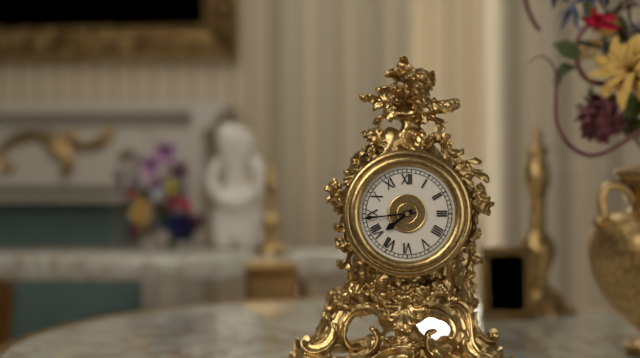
7:44
